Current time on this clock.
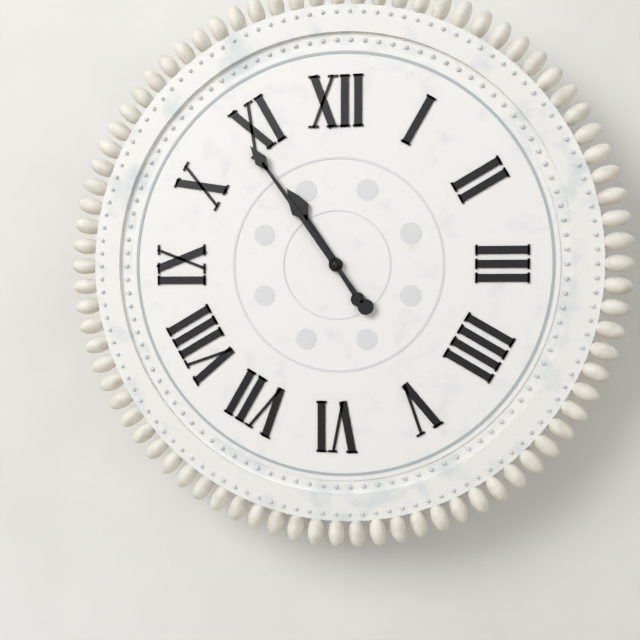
10:54
